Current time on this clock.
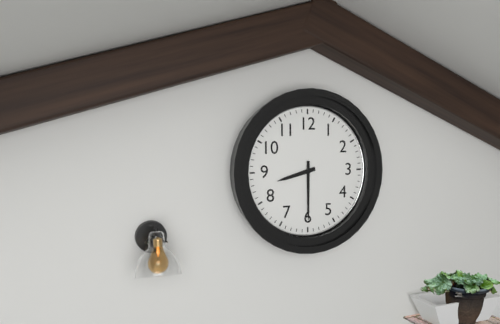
8:30
